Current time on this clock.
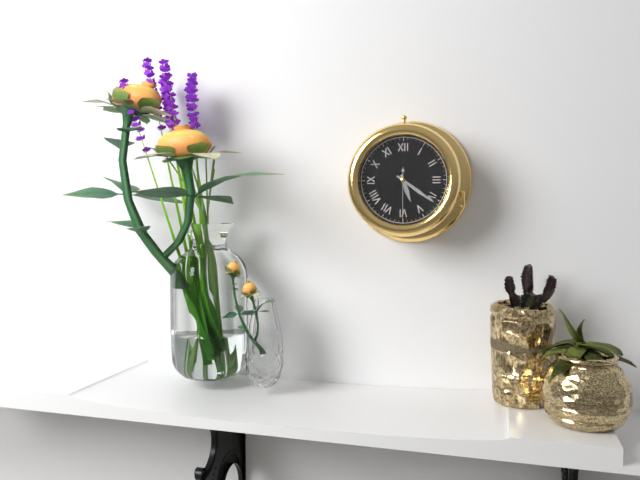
5:21:30
